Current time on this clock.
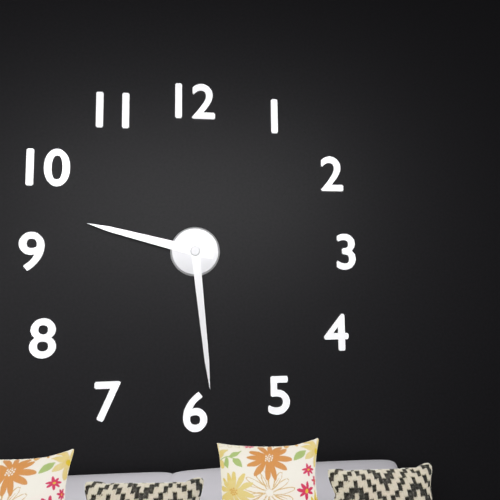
9:29
